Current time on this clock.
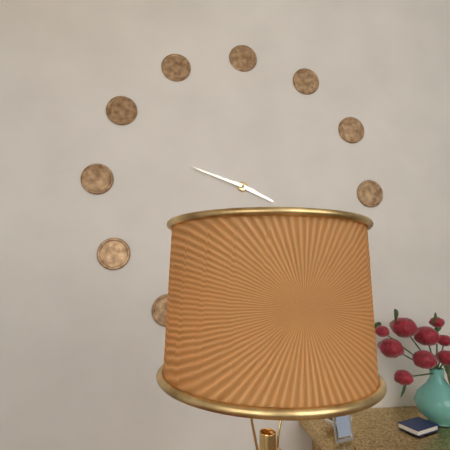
3:48
